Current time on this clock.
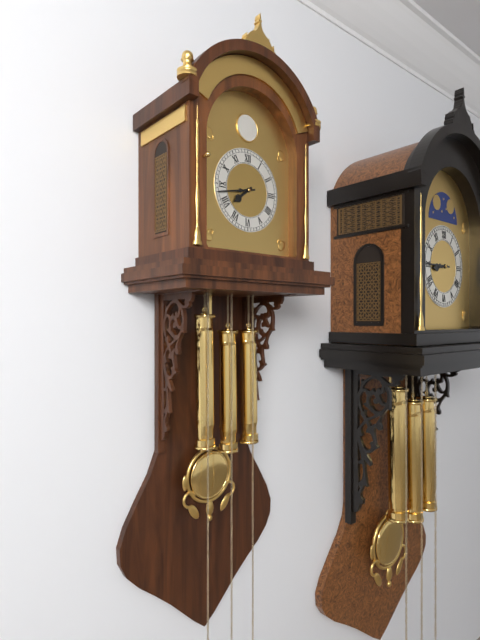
7:43
